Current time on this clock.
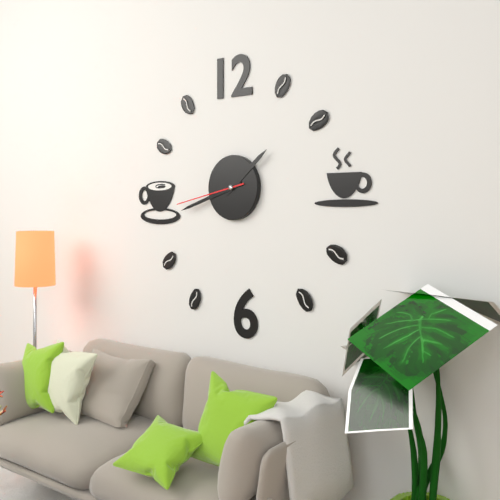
1:42:43
